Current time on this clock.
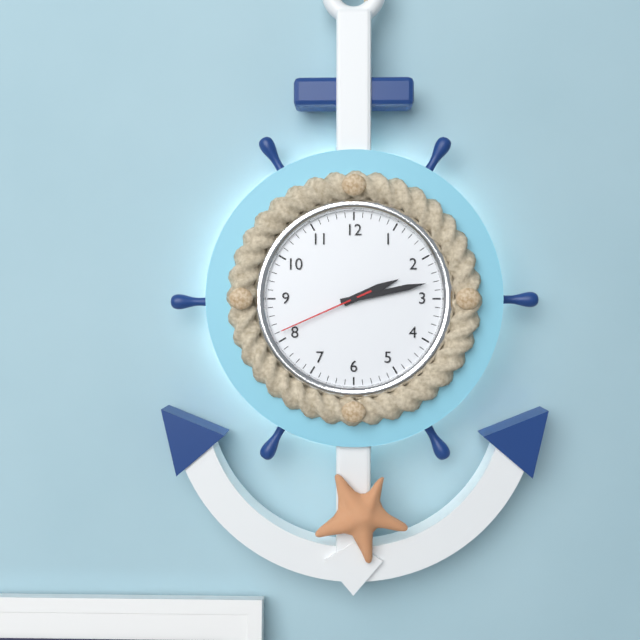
2:13:41
